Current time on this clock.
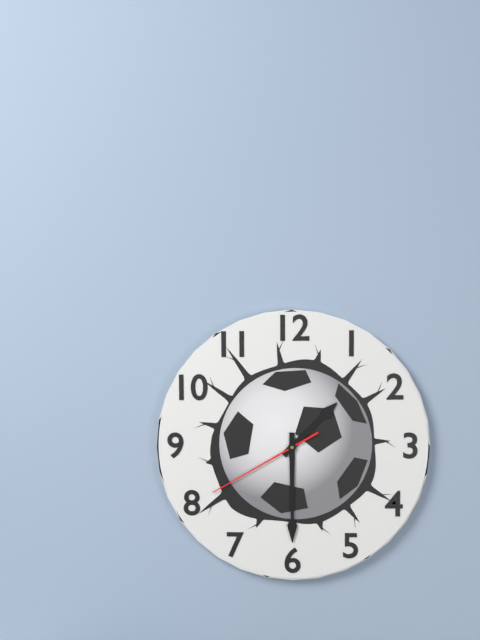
1:30:40
